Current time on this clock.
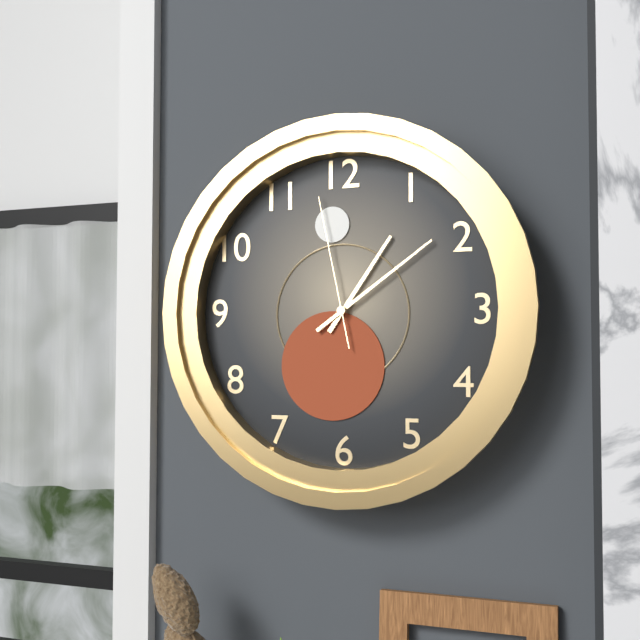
1:09:58
